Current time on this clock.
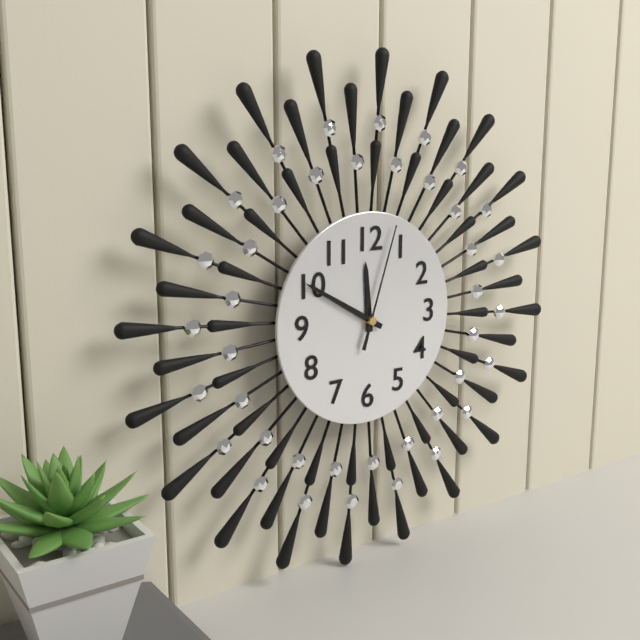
11:50:03
